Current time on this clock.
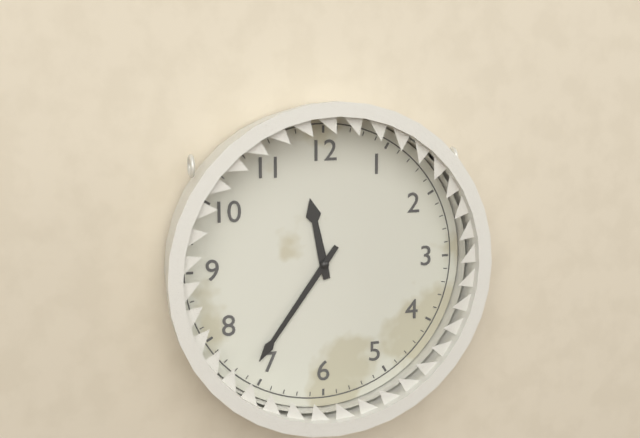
11:36
